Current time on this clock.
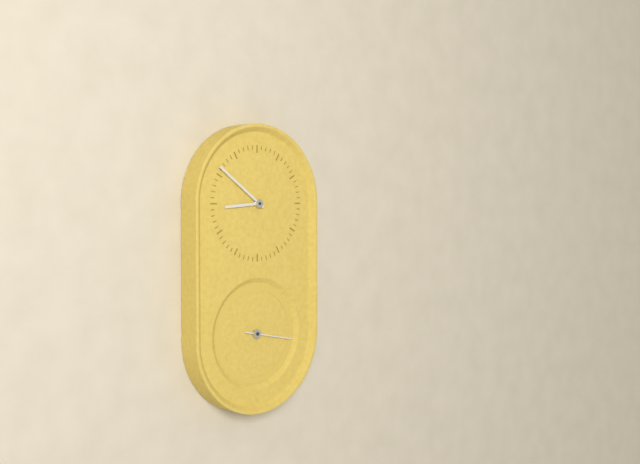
8:51
